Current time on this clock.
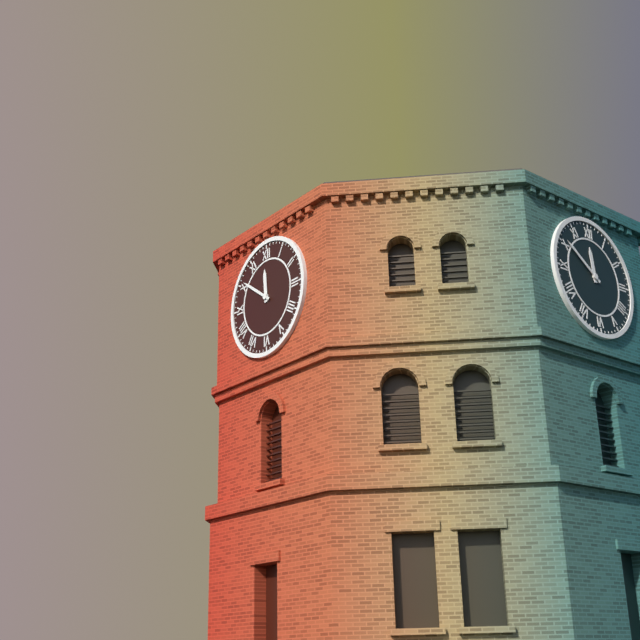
11:51
